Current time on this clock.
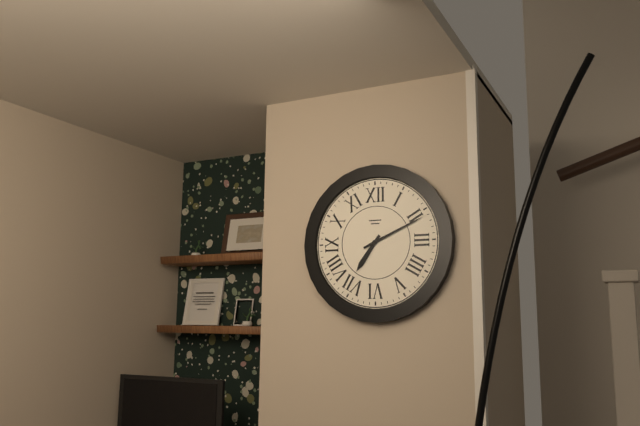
7:11
